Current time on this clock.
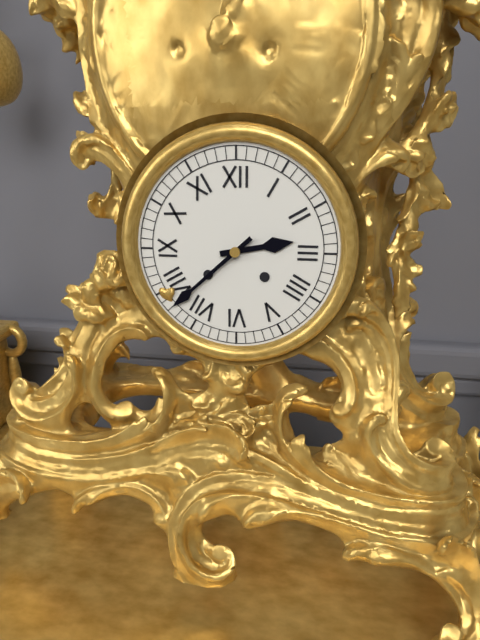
2:38
